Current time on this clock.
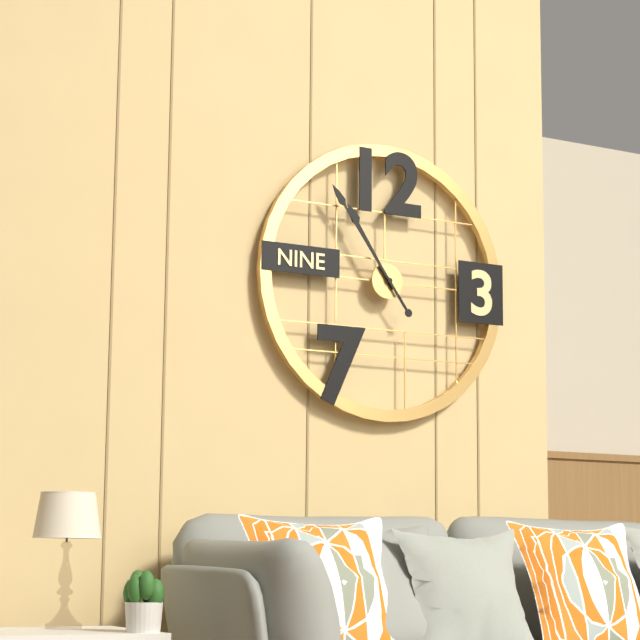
10:54
